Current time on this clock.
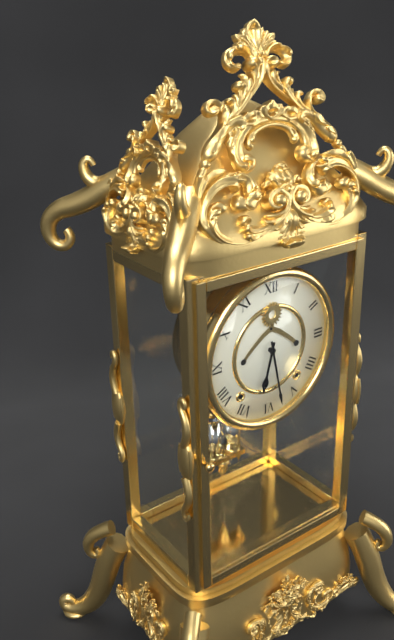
6:28
